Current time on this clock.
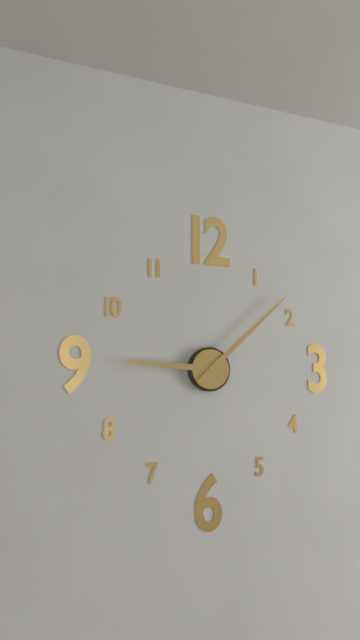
9:08
